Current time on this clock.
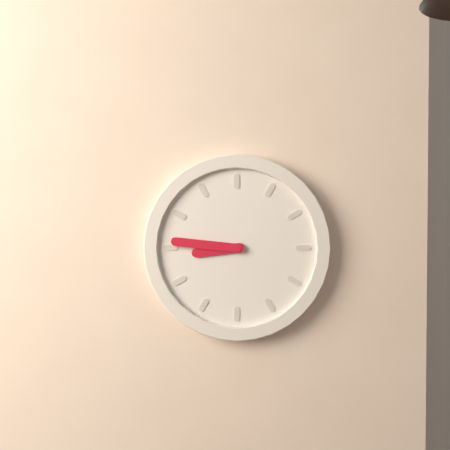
8:46
